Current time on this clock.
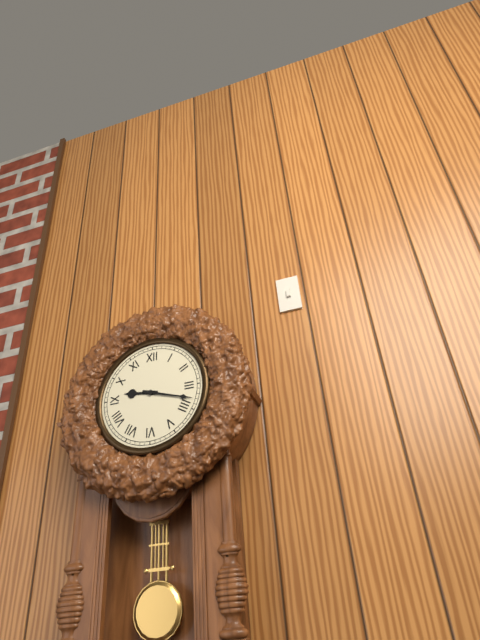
9:18
